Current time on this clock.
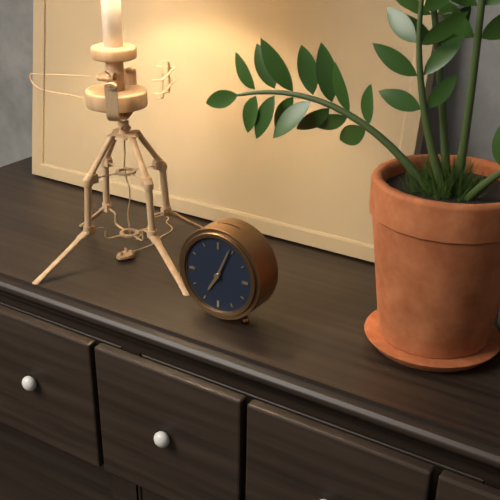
7:04
